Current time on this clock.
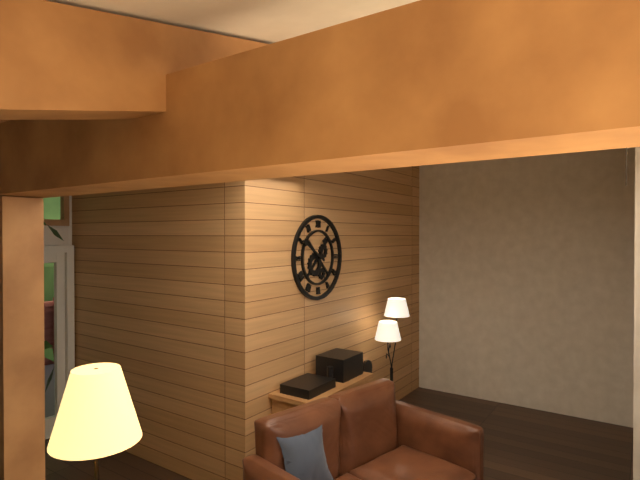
12:50
